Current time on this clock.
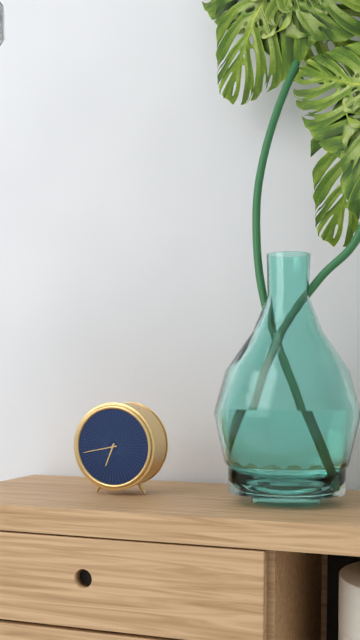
6:43
